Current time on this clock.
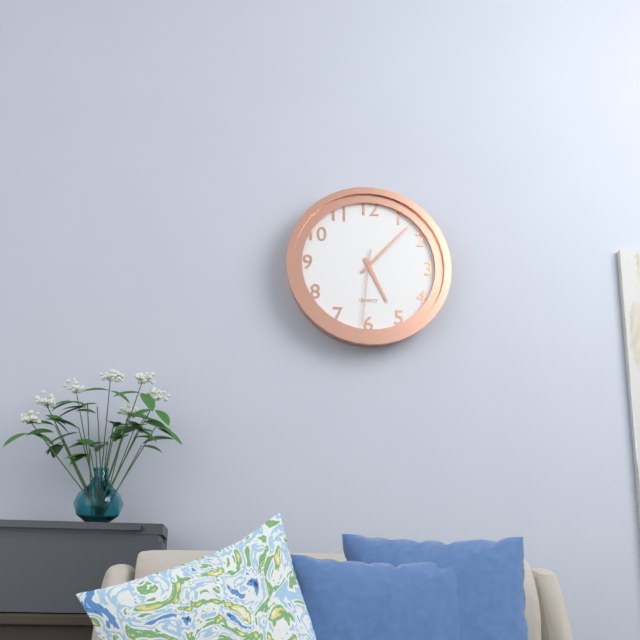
5:07:31
